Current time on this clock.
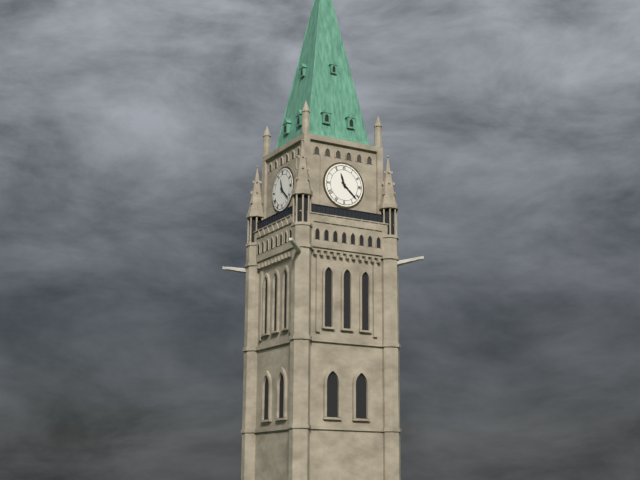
11:22
